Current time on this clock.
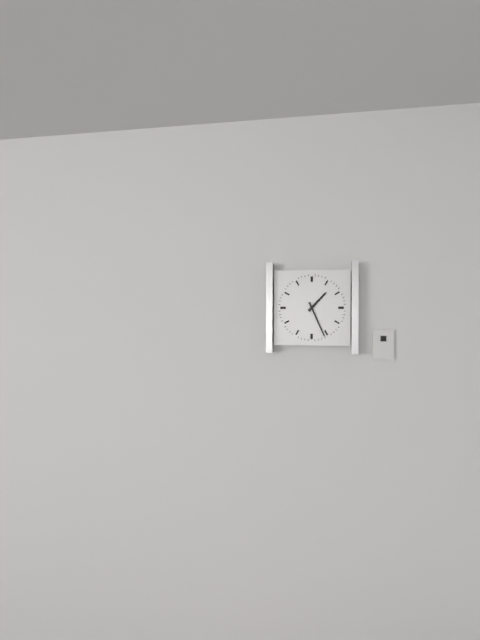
1:26
